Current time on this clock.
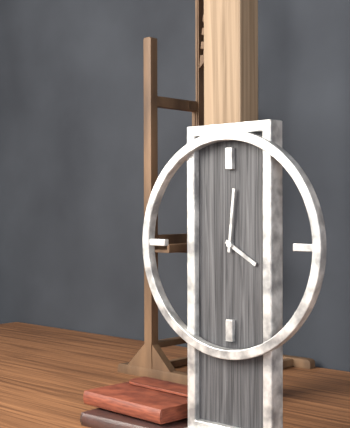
4:01
